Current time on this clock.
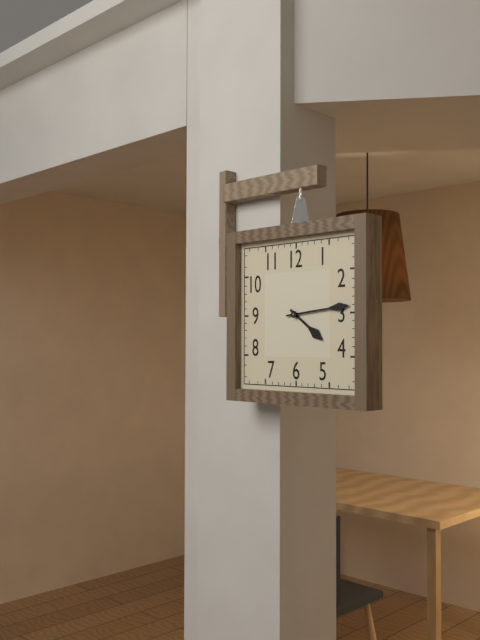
4:14
